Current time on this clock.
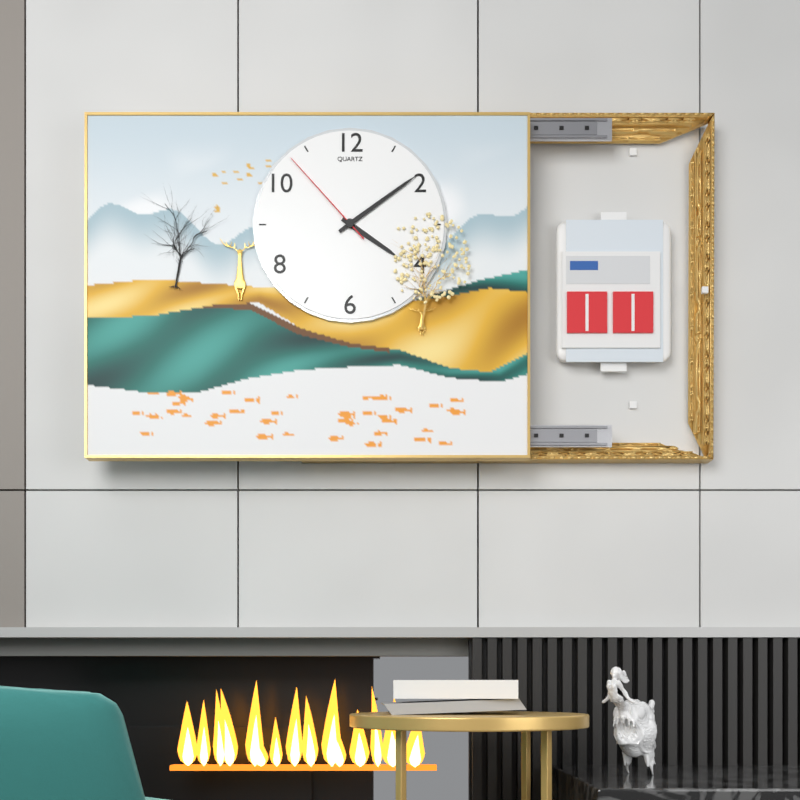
4:09:53
